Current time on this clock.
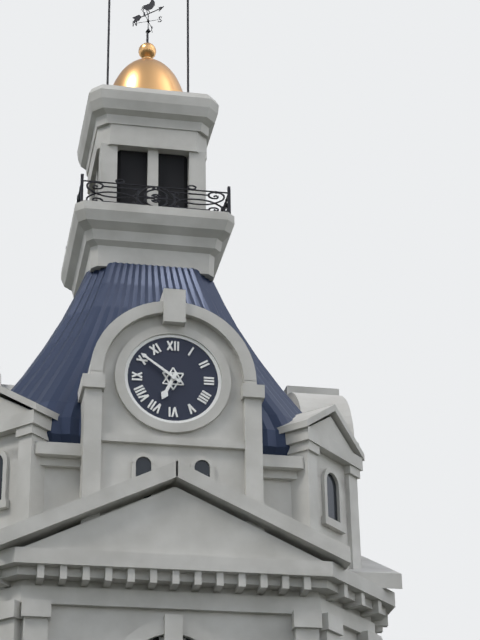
6:51
